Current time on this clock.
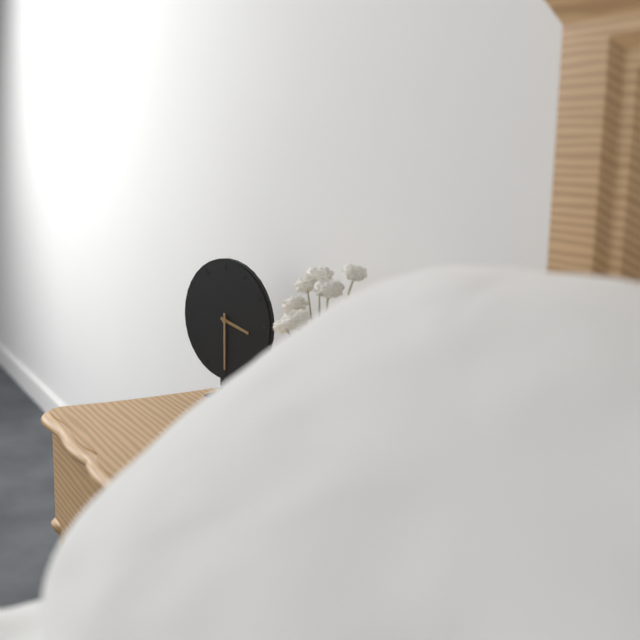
3:30
